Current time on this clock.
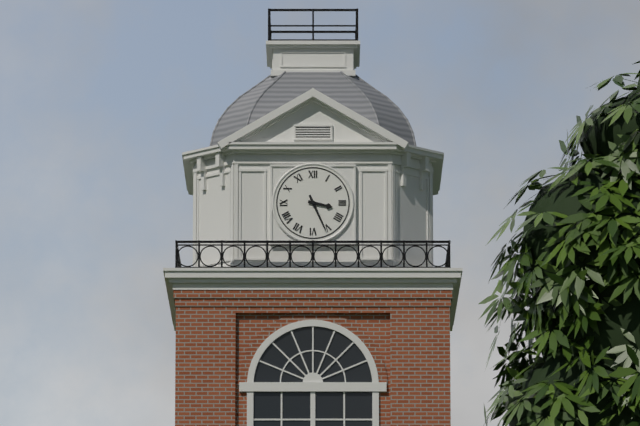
3:26
